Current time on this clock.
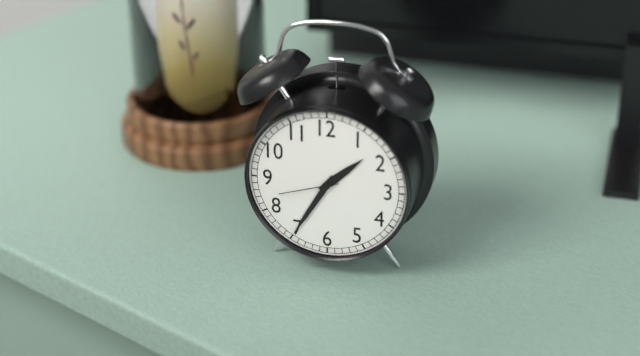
1:35:42
